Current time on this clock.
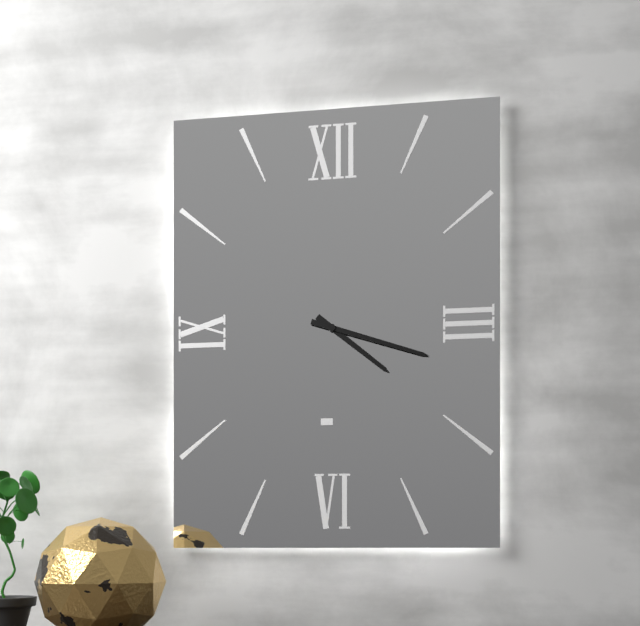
4:18
